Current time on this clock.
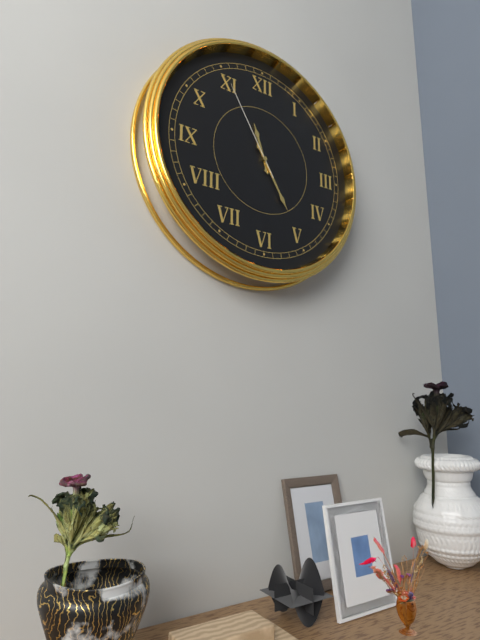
11:25:55
